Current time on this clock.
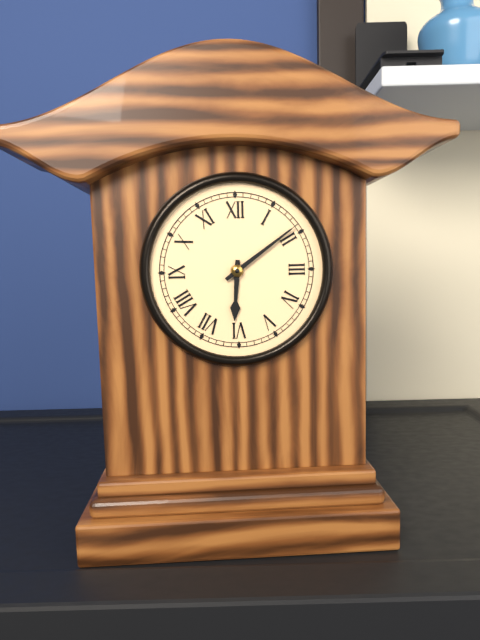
6:09
